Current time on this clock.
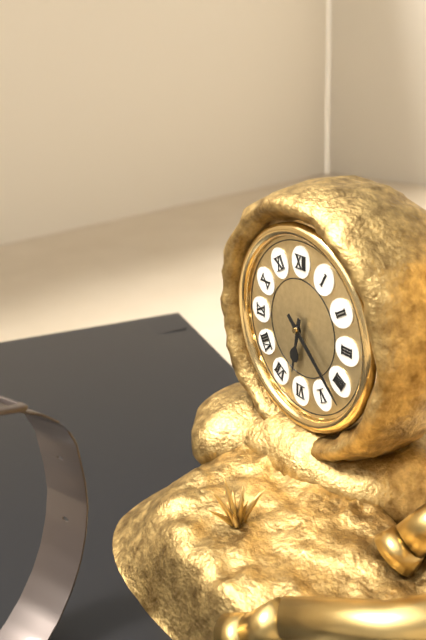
6:22
